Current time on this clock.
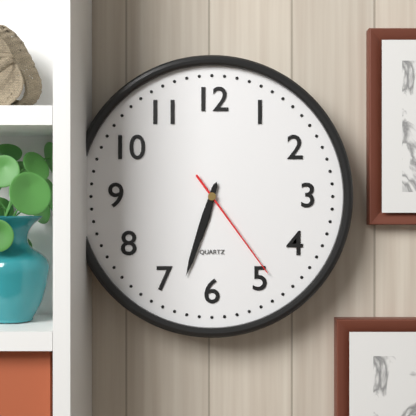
6:33:24
